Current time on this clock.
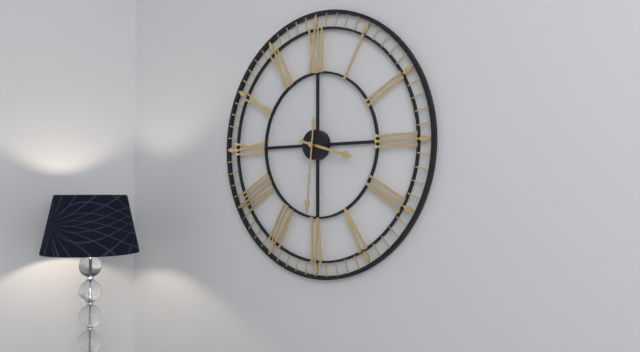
3:31
